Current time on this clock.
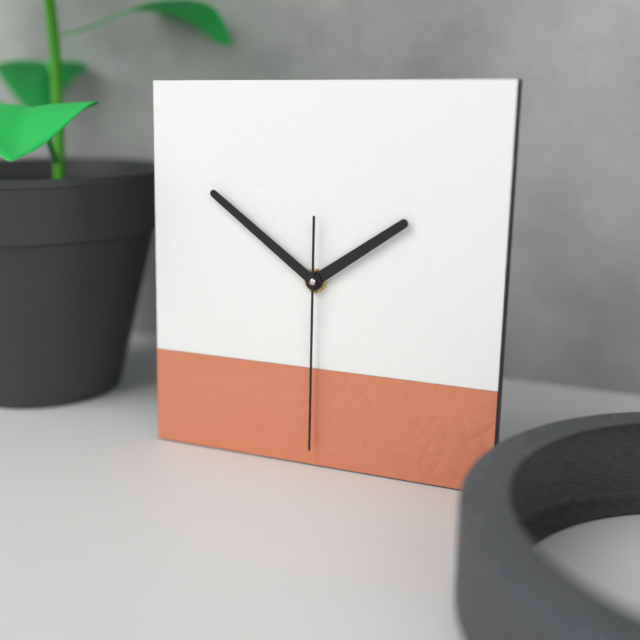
1:51:30
